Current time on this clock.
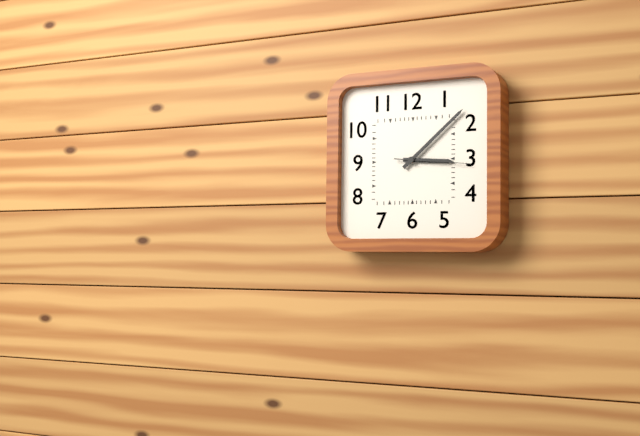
3:08:16
